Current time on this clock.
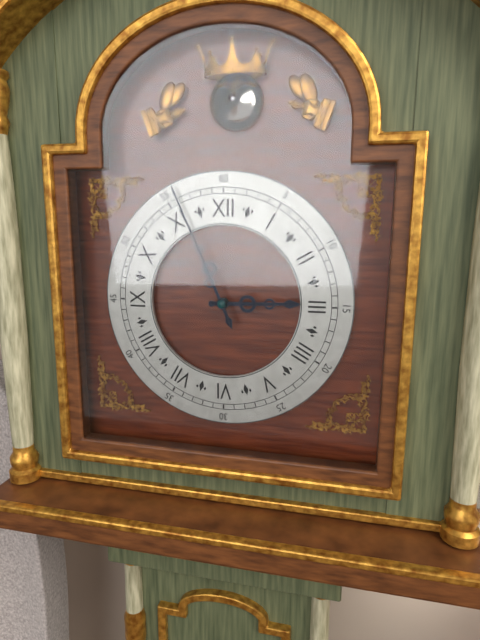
2:56
